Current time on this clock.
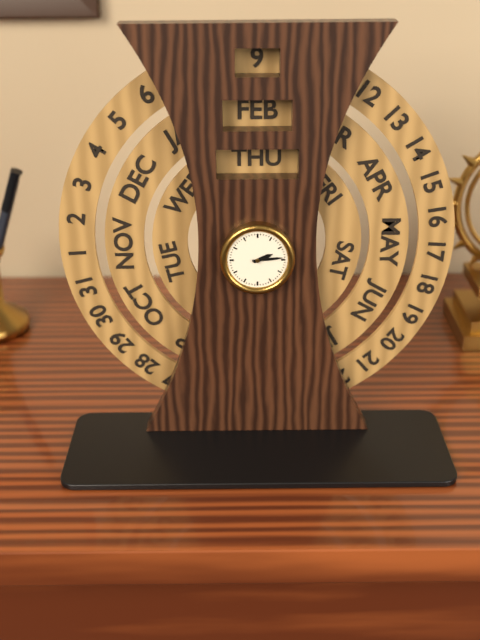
2:14
